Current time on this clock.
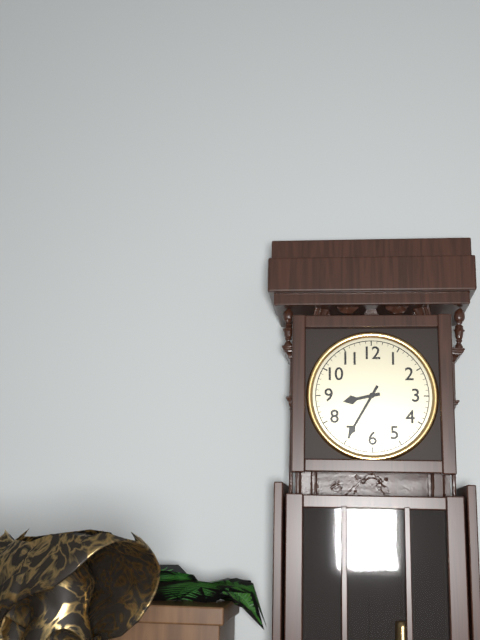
8:35
